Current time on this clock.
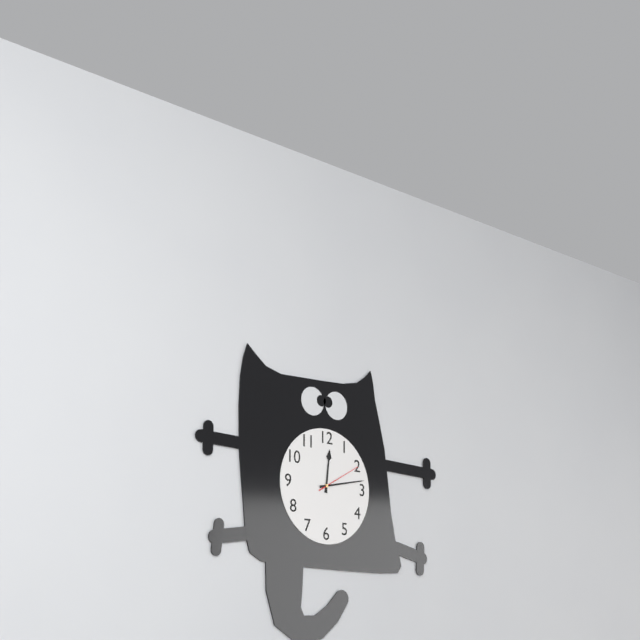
12:13
